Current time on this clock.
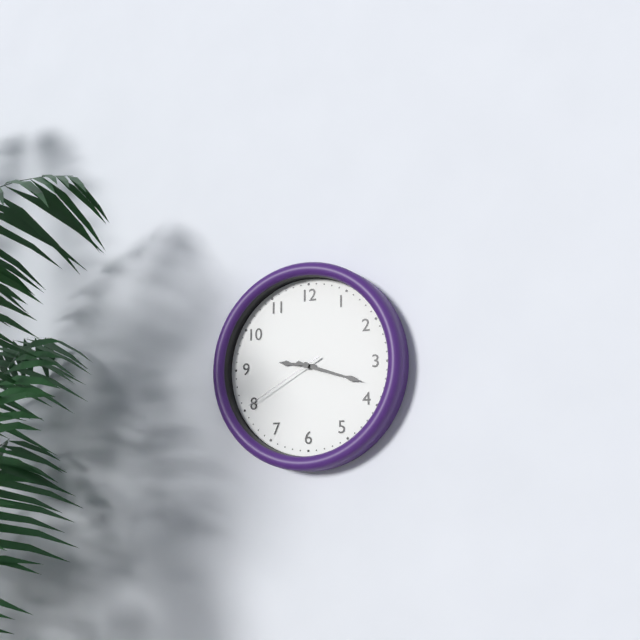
9:18:40
